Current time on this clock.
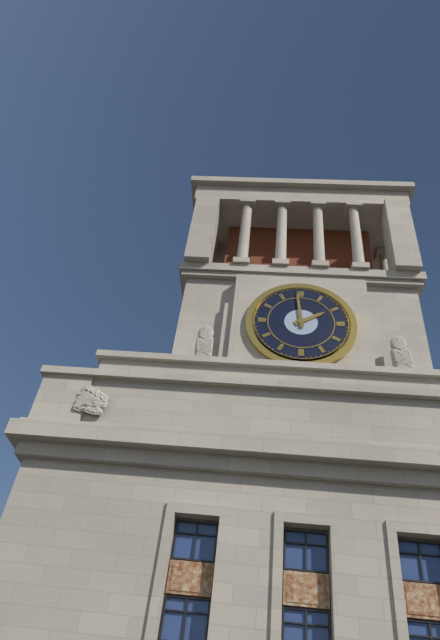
1:59
